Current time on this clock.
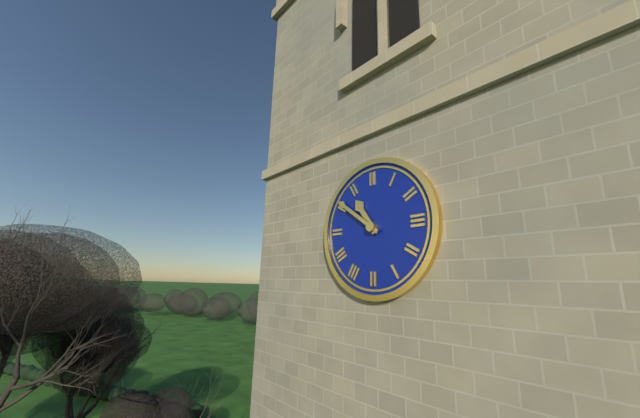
10:51
